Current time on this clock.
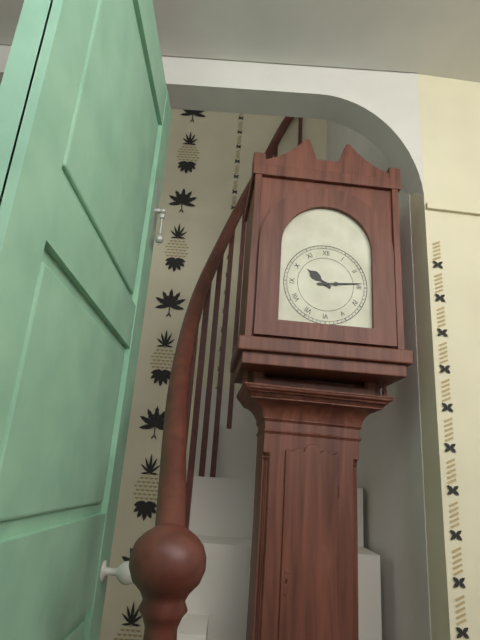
10:14
